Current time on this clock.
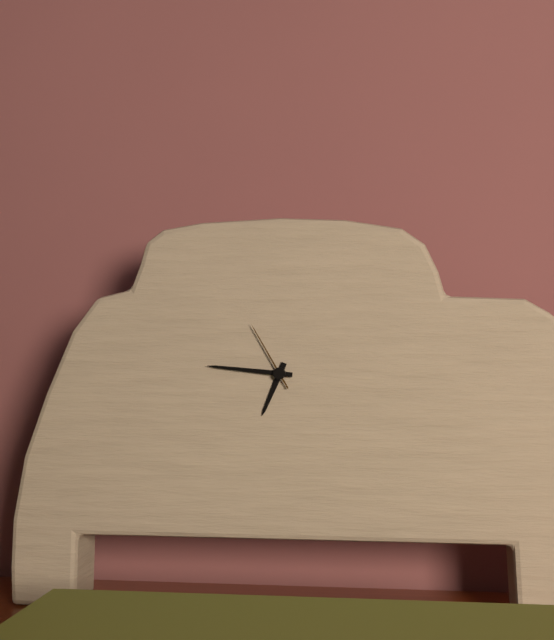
6:46:55
